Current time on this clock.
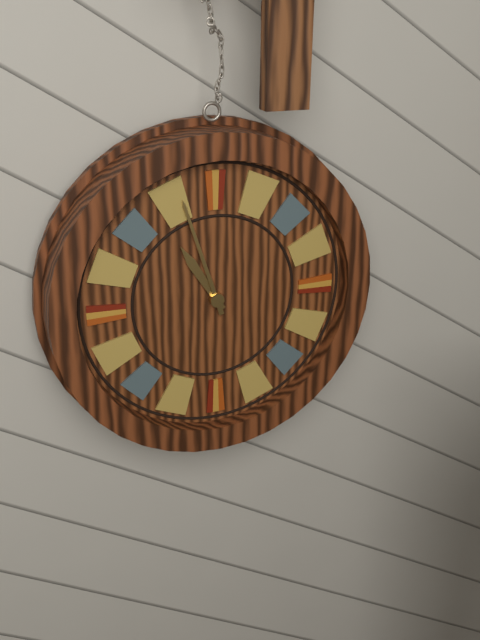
10:57
